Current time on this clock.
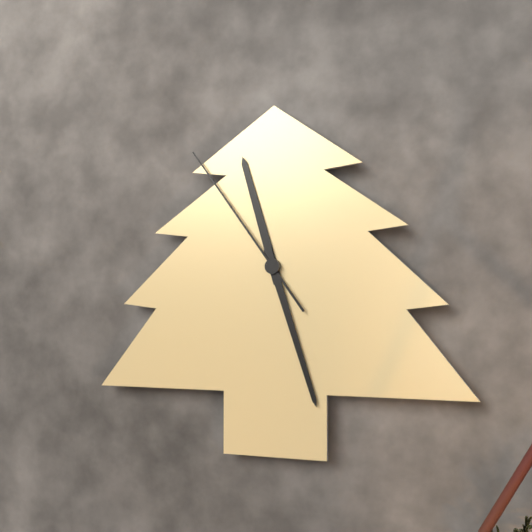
11:27:54
